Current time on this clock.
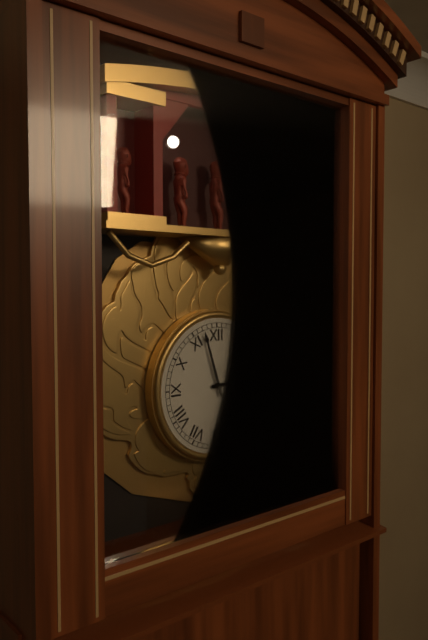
2:57
